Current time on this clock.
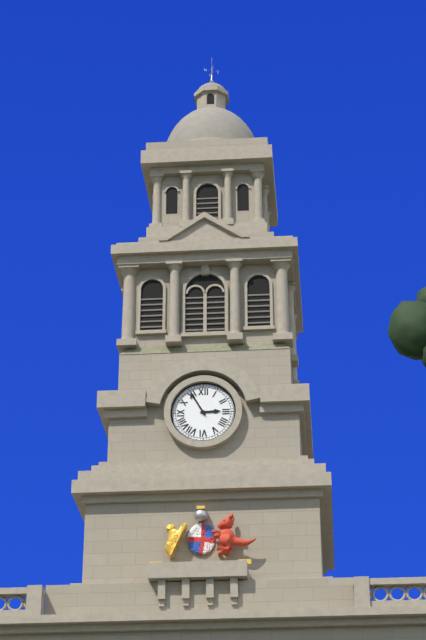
2:55
